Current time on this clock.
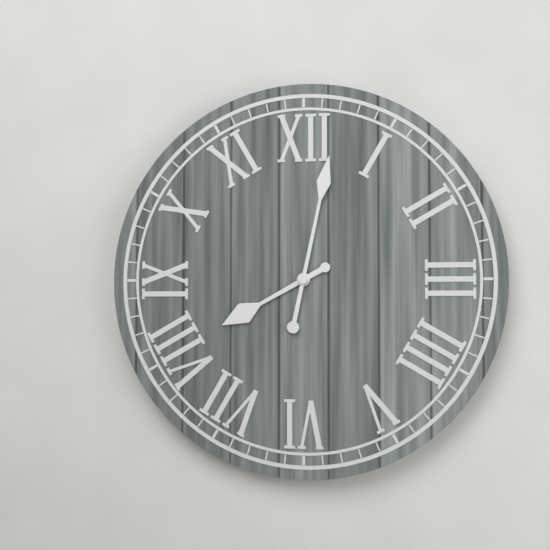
8:02
